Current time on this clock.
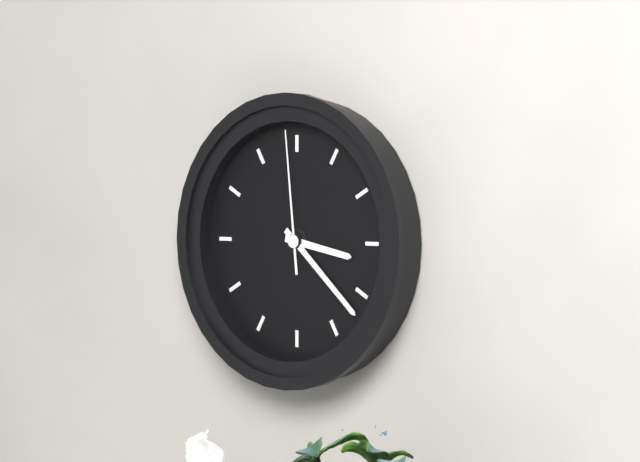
3:22:59
